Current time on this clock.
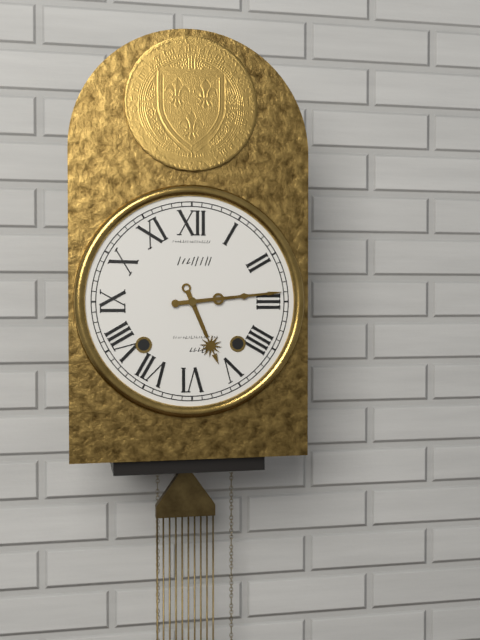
5:14
